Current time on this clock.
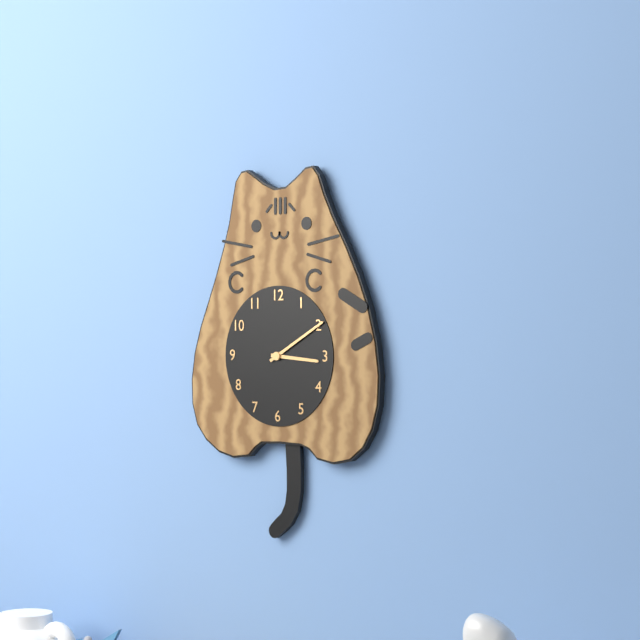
3:10
